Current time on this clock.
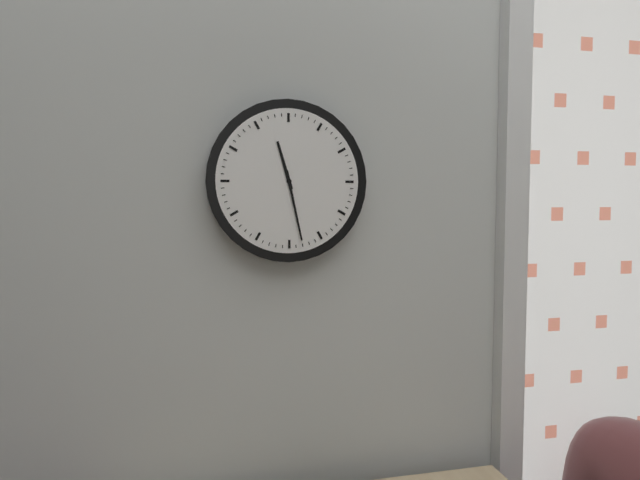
11:28
